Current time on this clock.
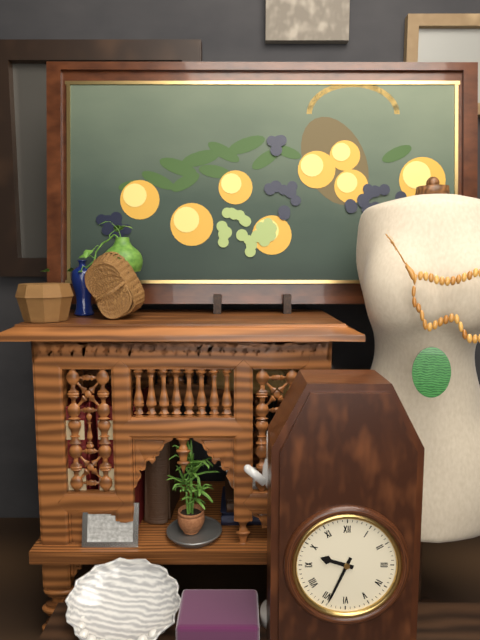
9:34
